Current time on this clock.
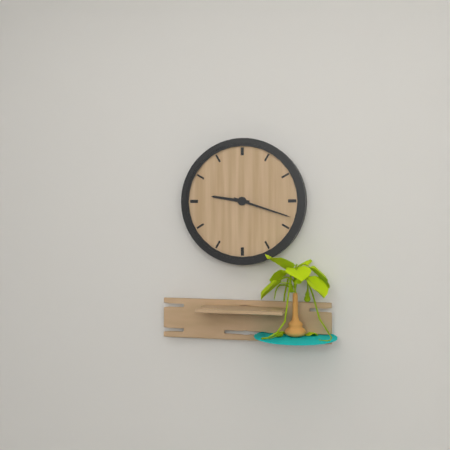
9:18
